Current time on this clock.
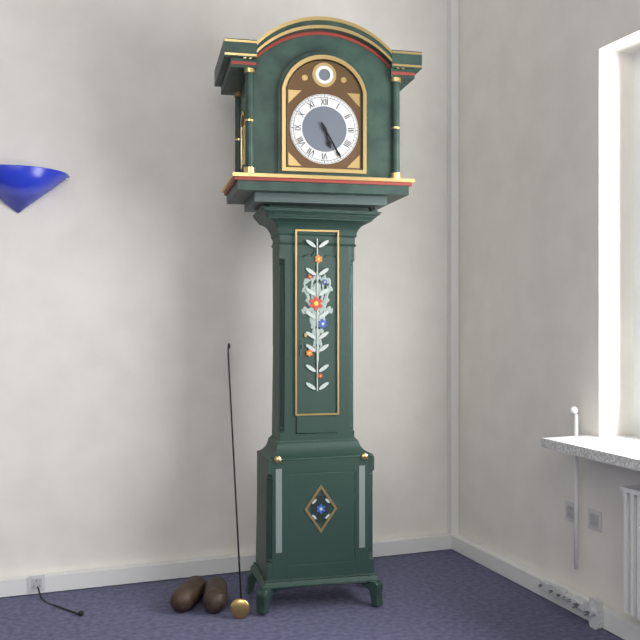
5:25
